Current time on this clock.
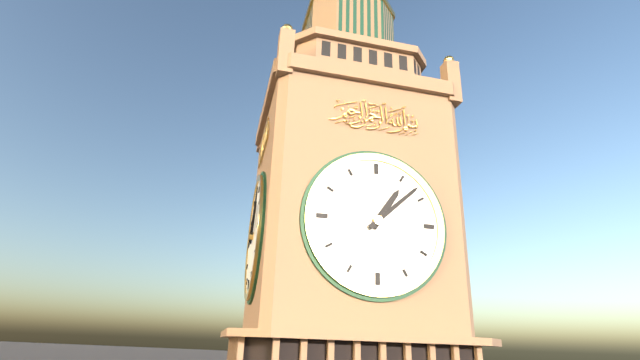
1:08
